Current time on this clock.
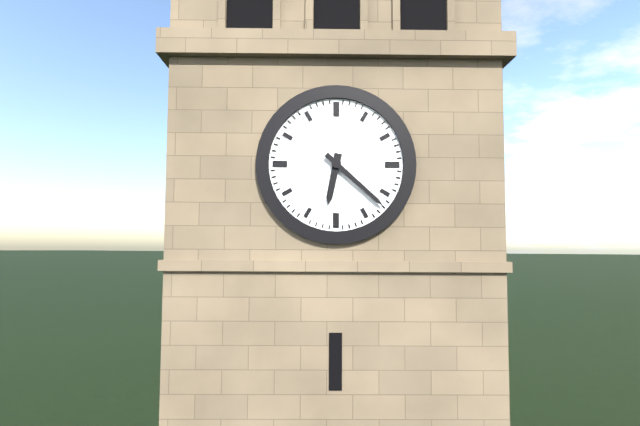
6:22
